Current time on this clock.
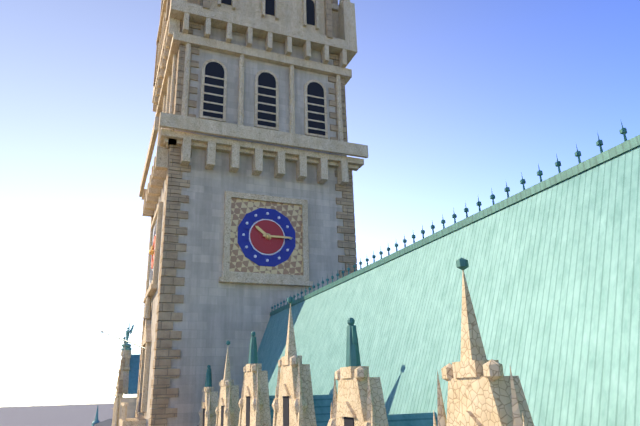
10:15
